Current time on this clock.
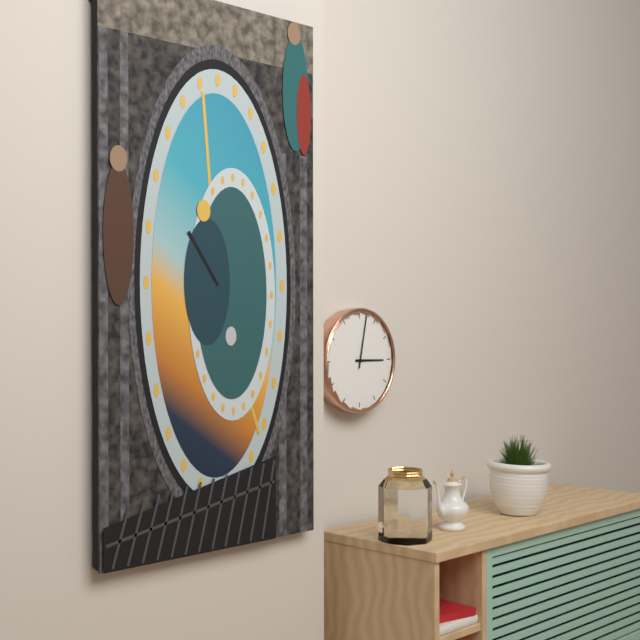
3:02
